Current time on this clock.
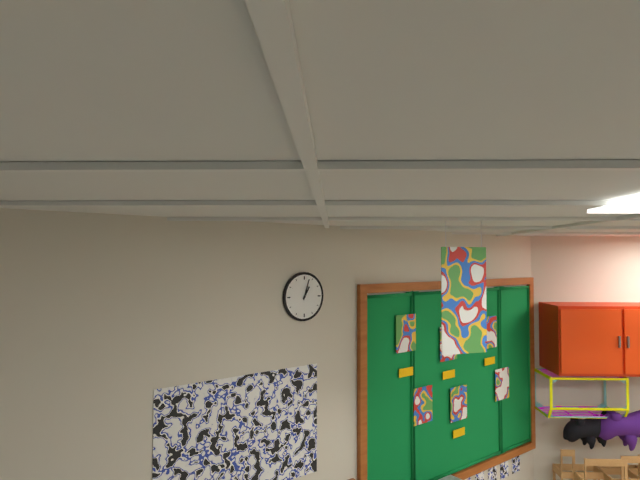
1:03
